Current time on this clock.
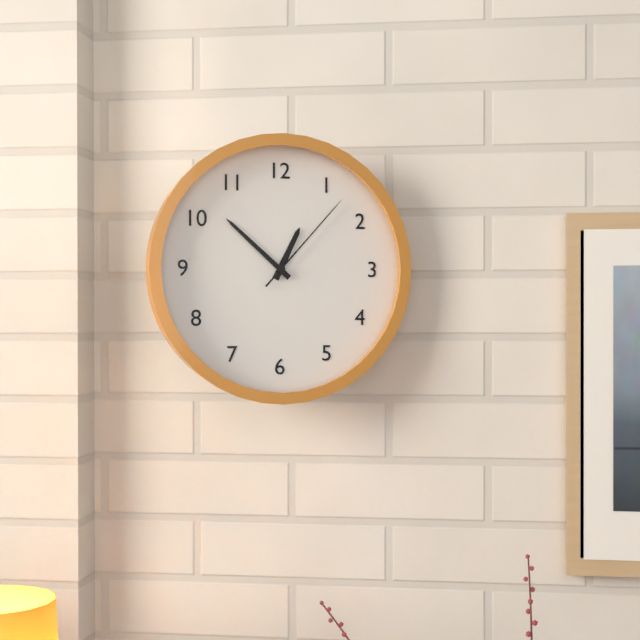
12:52:07
